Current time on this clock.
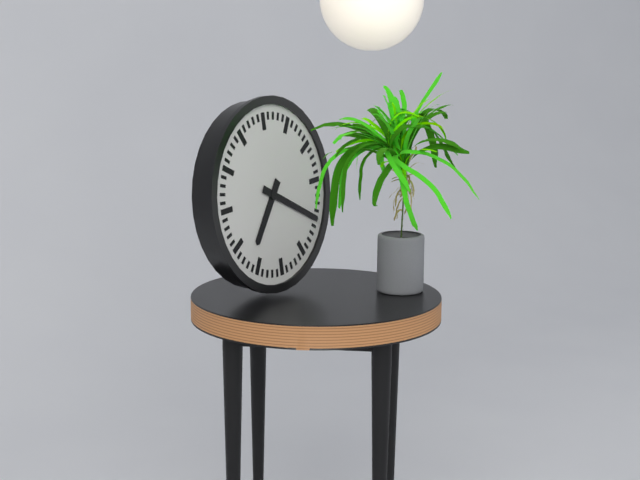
7:20
